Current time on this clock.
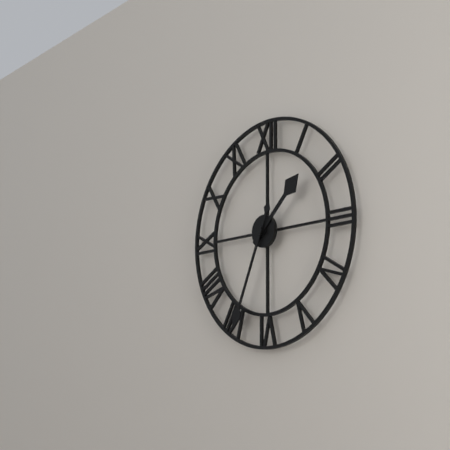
1:34
